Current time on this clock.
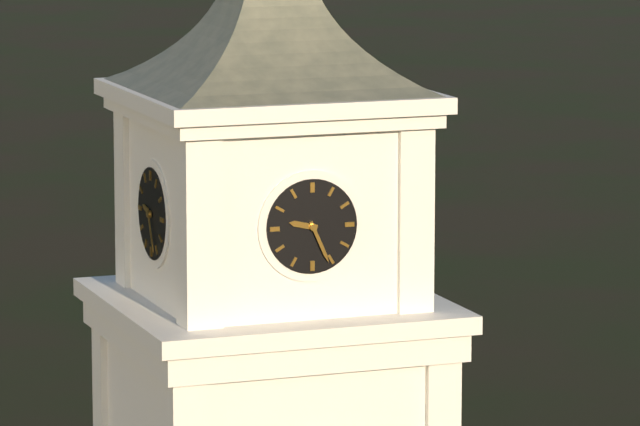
9:26
